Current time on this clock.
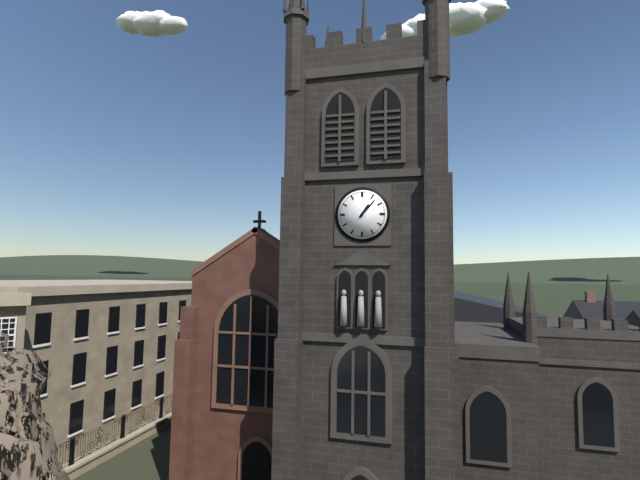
1:07
